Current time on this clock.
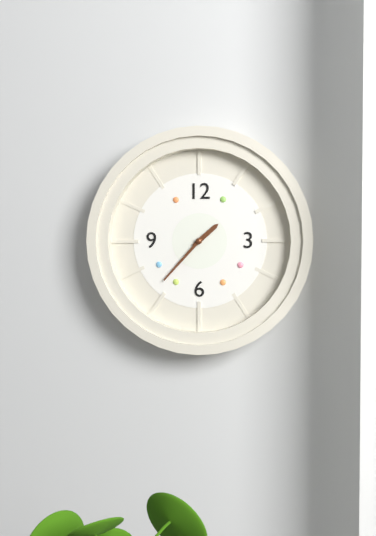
1:37
